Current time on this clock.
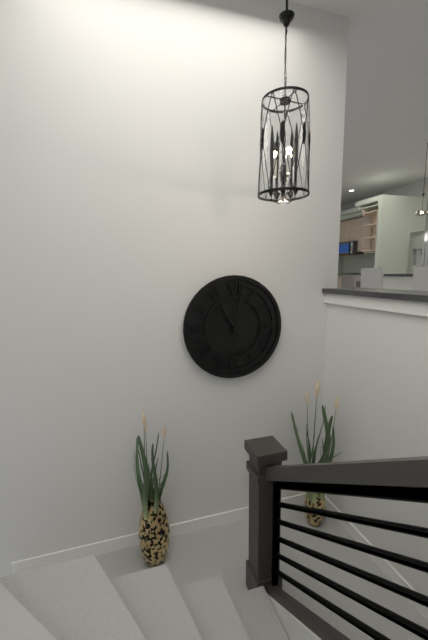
11:02:53
